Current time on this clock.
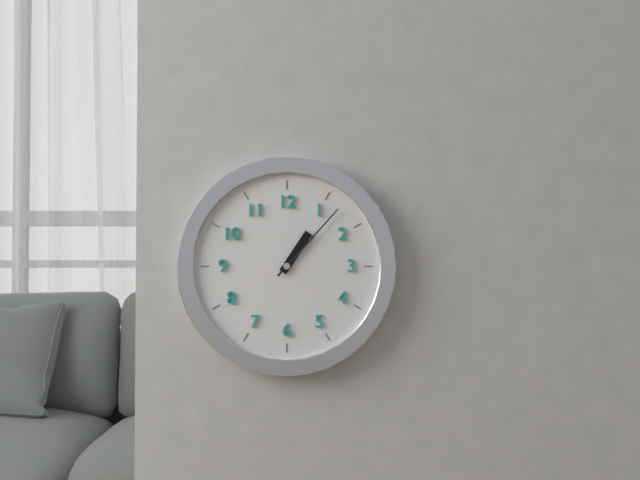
1:07
